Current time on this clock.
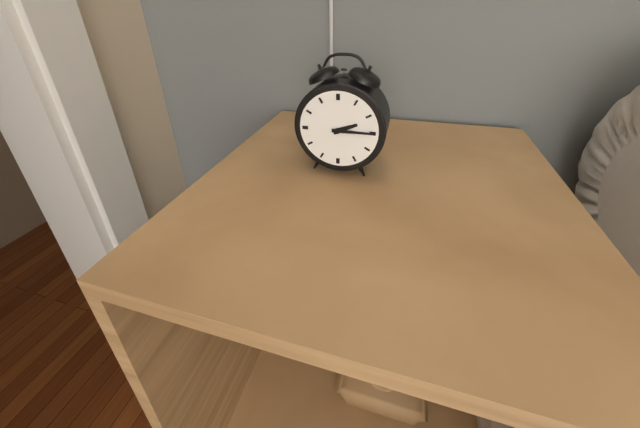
2:15
